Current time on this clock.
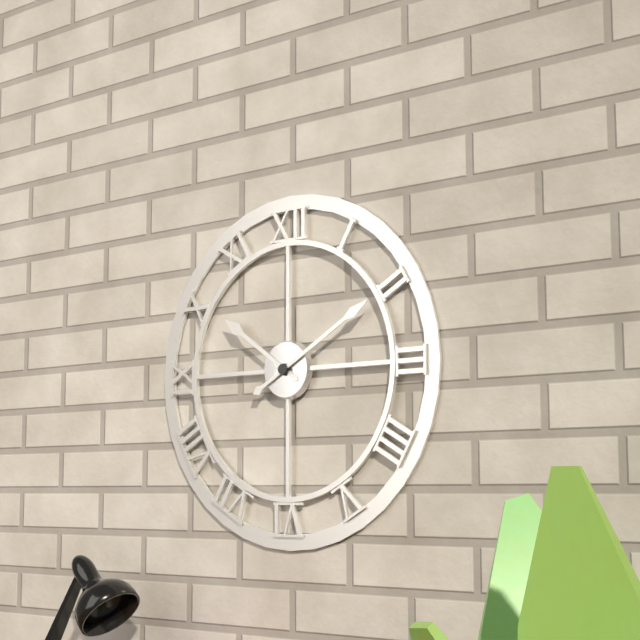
10:10
